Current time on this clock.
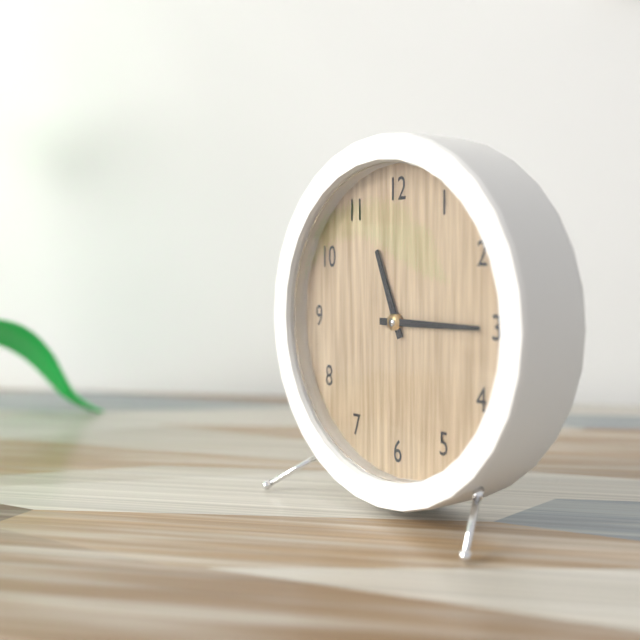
11:15
